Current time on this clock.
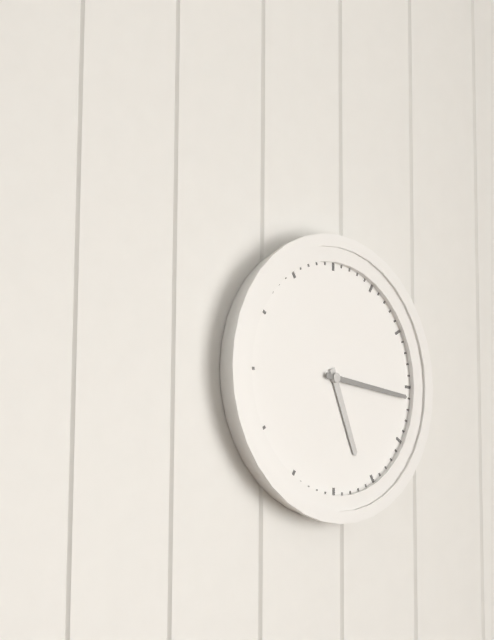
5:16
